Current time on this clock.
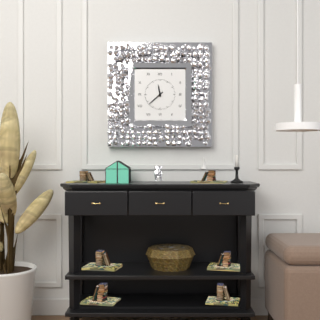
11:38
